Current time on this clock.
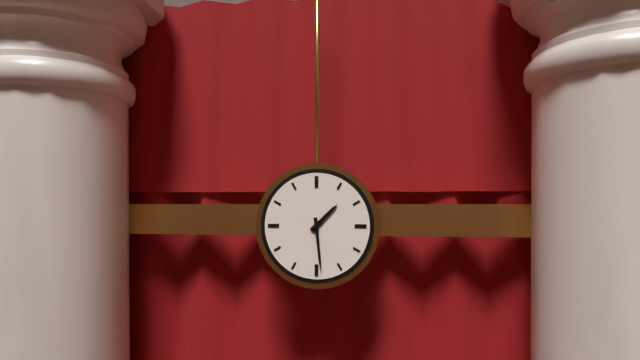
1:29
